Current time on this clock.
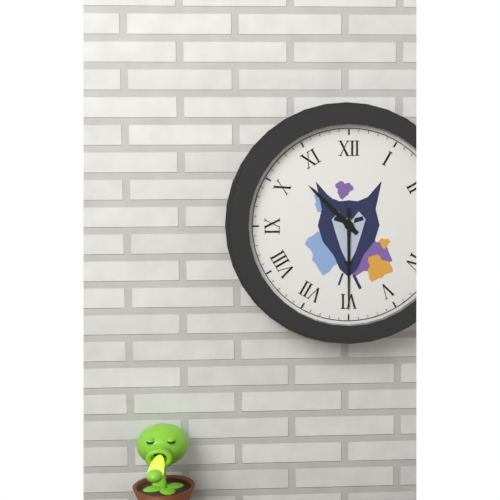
10:30
